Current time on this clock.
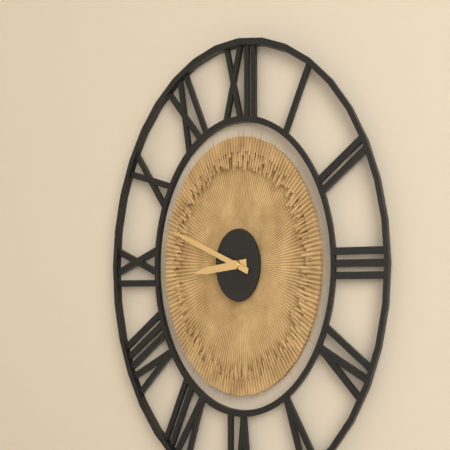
8:48
